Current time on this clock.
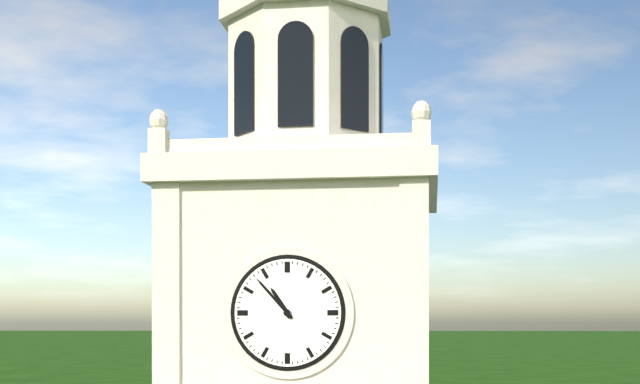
10:53
